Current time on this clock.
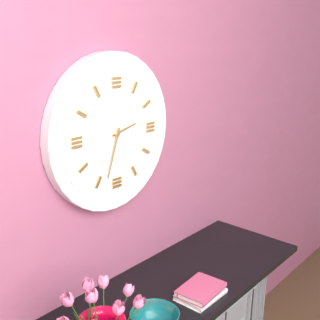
2:33
